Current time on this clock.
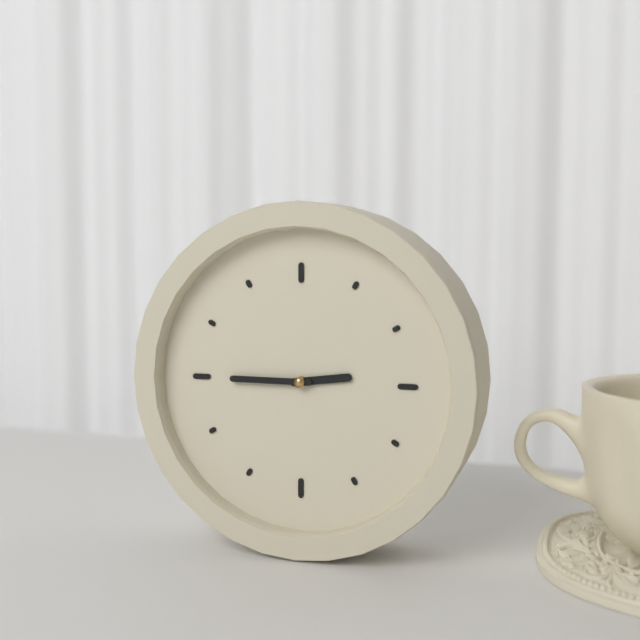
2:45
